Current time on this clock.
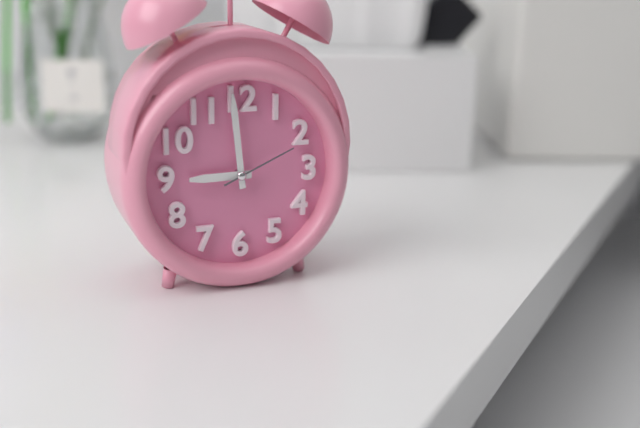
8:59:11
